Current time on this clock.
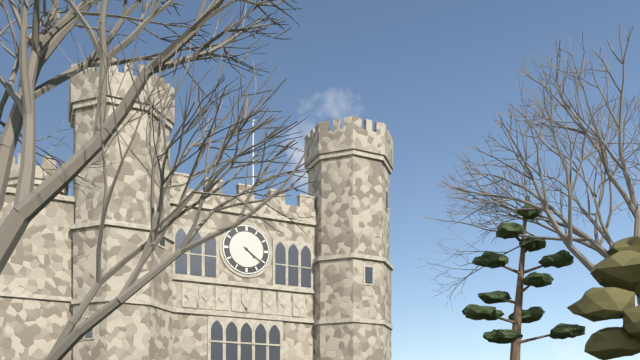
4:21
